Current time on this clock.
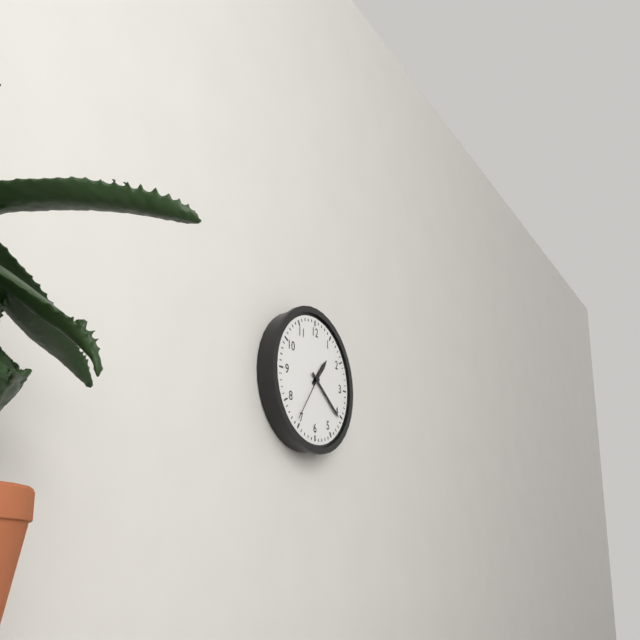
1:21:36
